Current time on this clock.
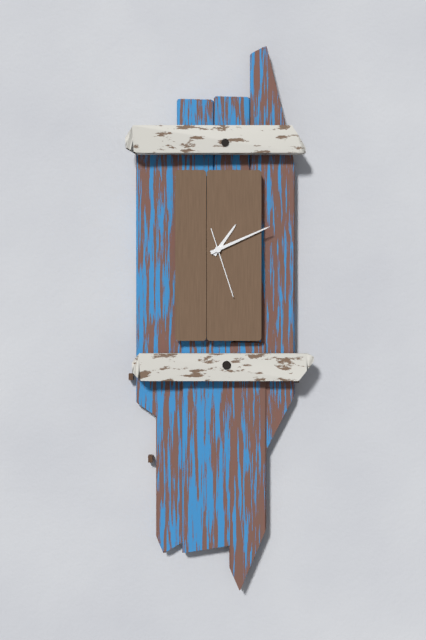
1:11:27
